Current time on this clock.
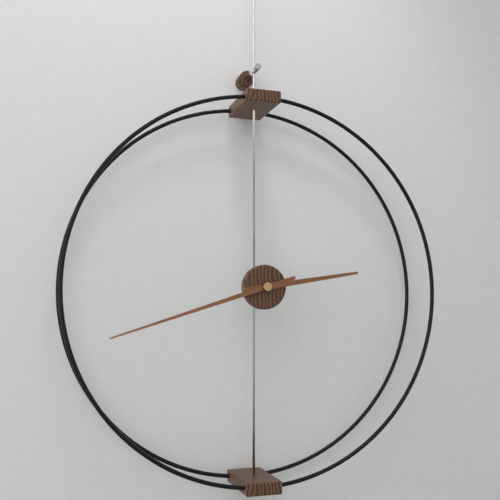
2:42
